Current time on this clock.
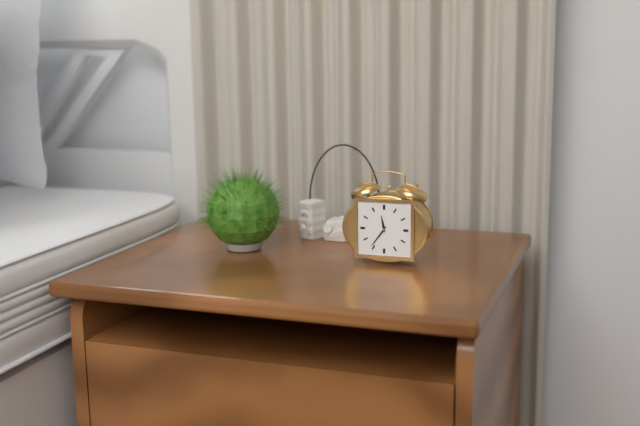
11:36
